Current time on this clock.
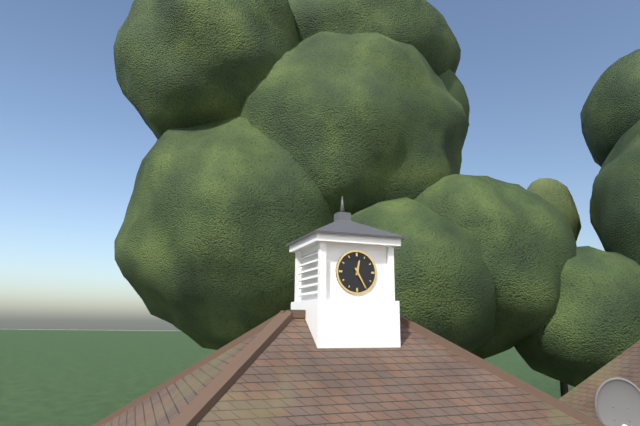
12:25
